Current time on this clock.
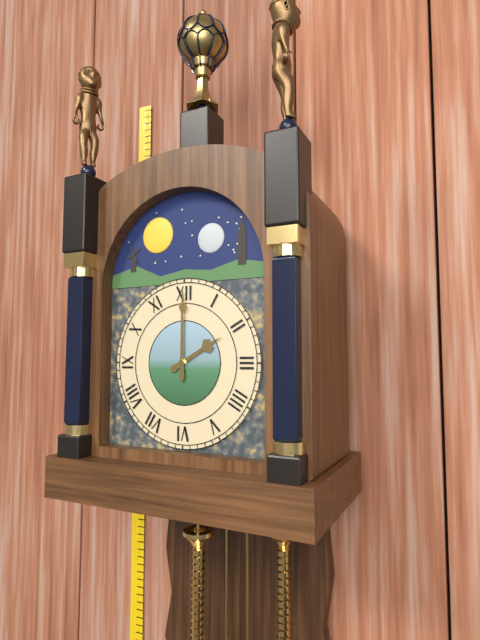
2:00
